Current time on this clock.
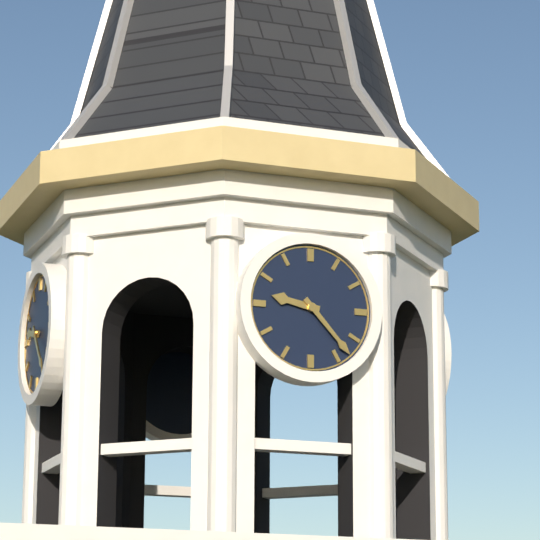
9:23
